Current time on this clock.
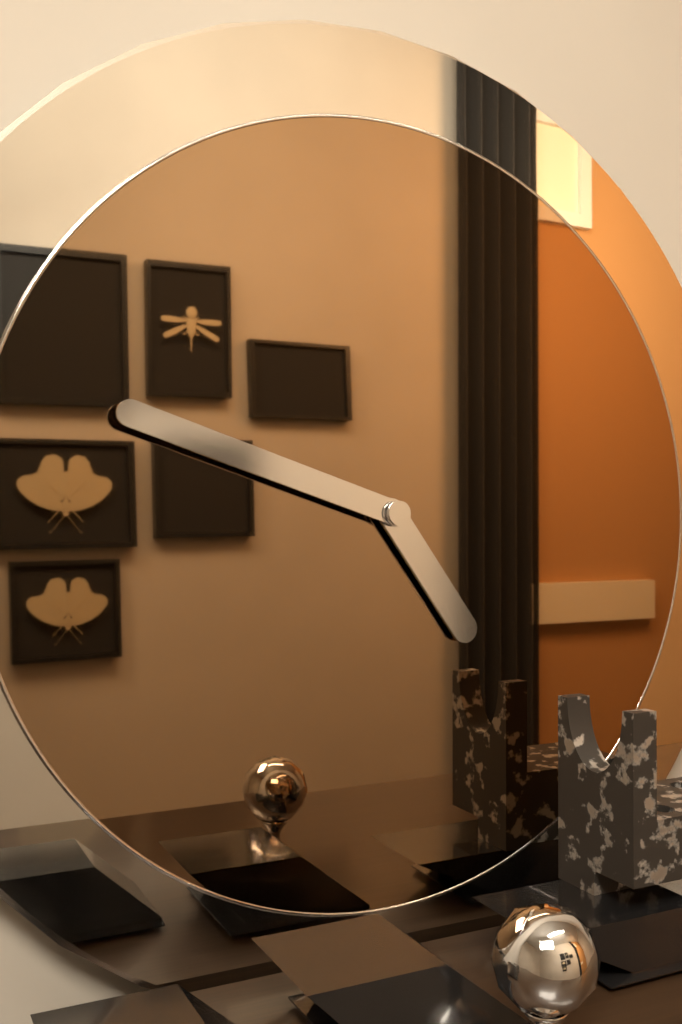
4:48
